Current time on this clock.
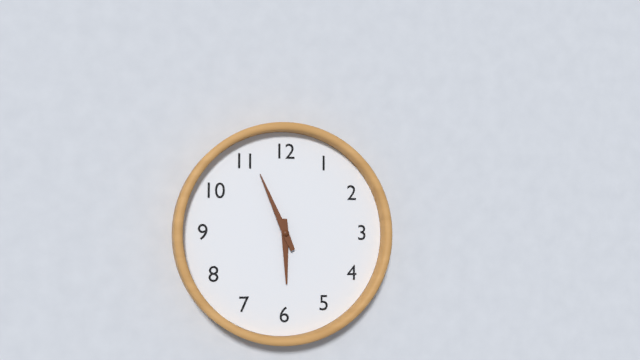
5:56
